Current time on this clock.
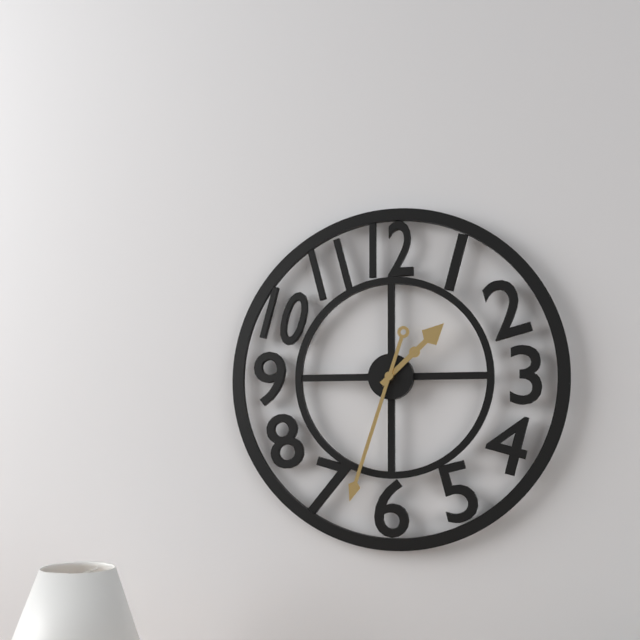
1:33
